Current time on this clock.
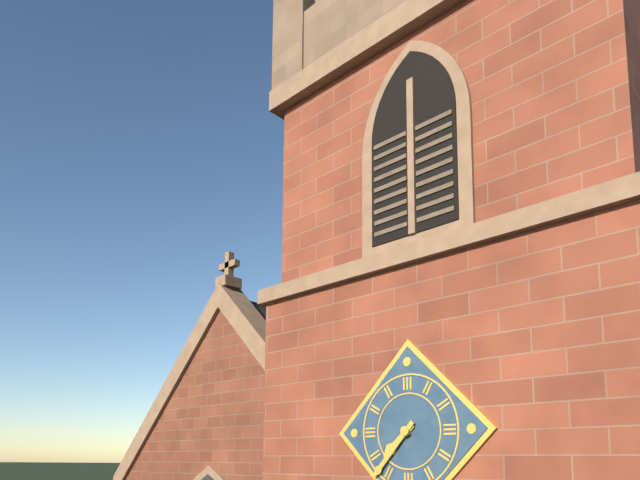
7:37
